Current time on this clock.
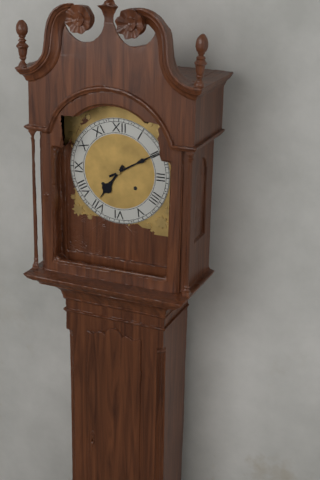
7:10
